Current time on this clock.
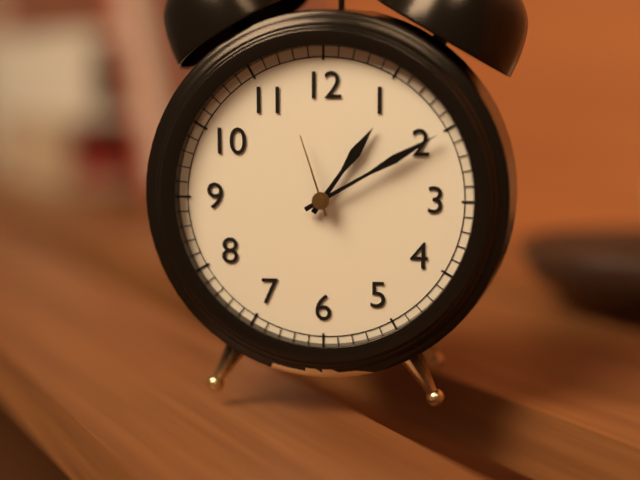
1:10:57
